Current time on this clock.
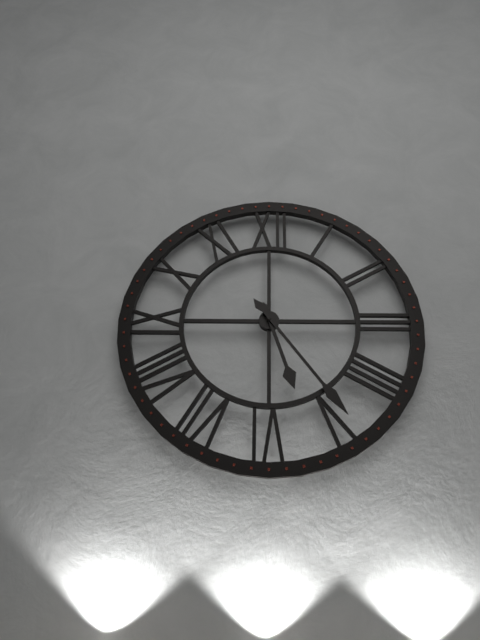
5:24
